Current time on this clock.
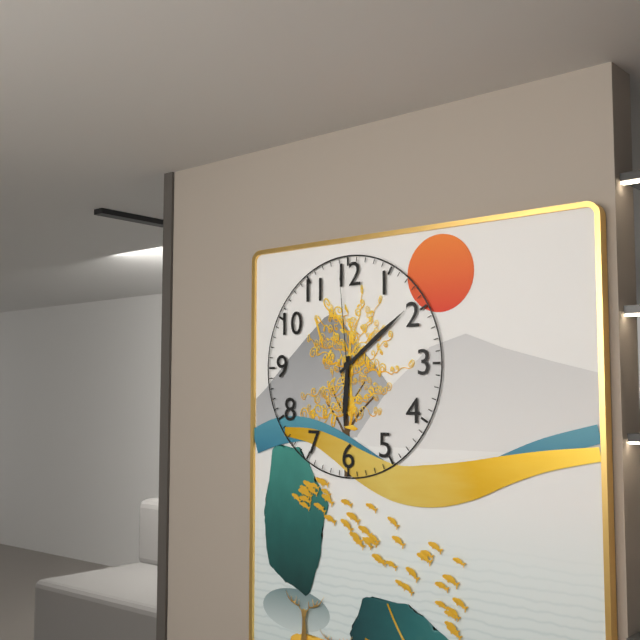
6:09:59
